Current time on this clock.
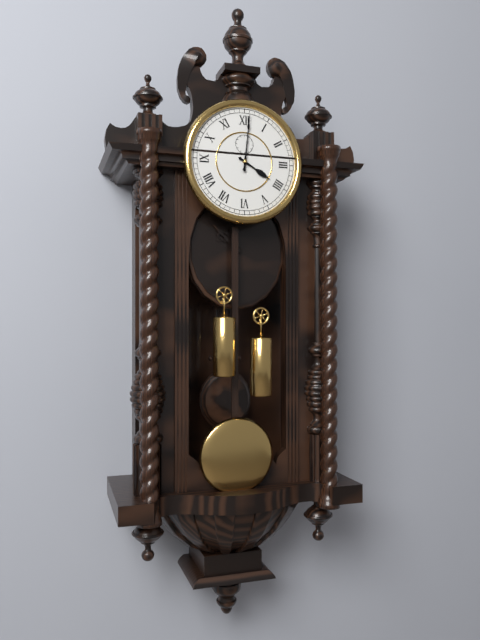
4:01
